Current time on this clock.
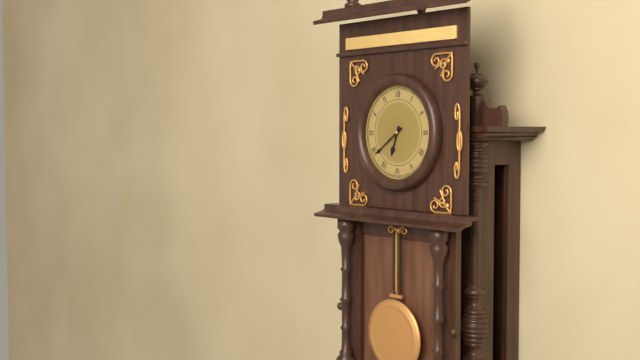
6:39
